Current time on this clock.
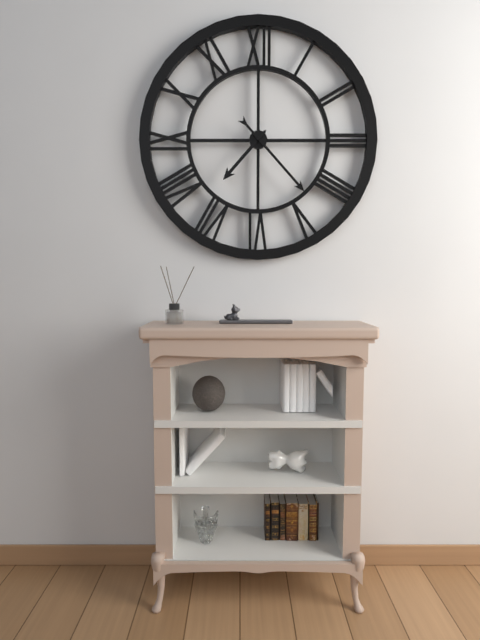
7:23
